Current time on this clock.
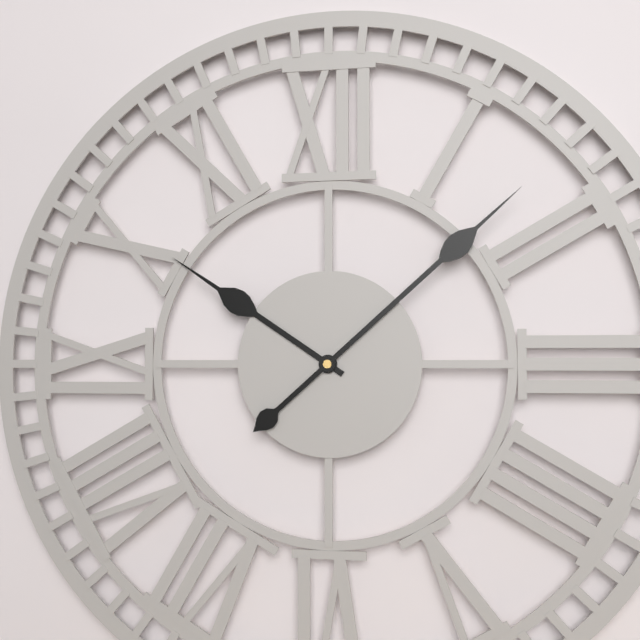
10:08
